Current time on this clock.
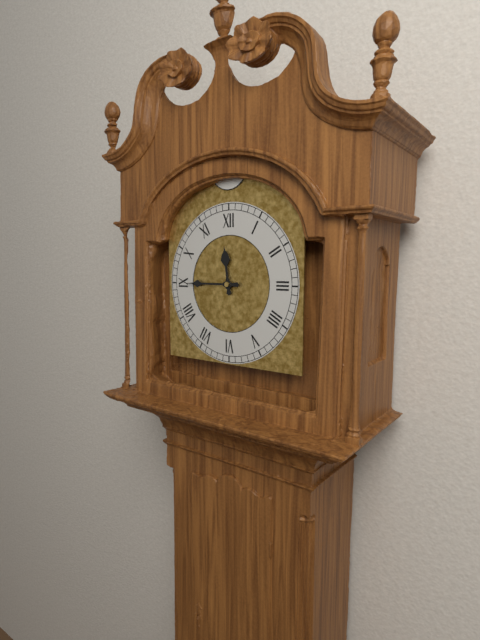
11:45
